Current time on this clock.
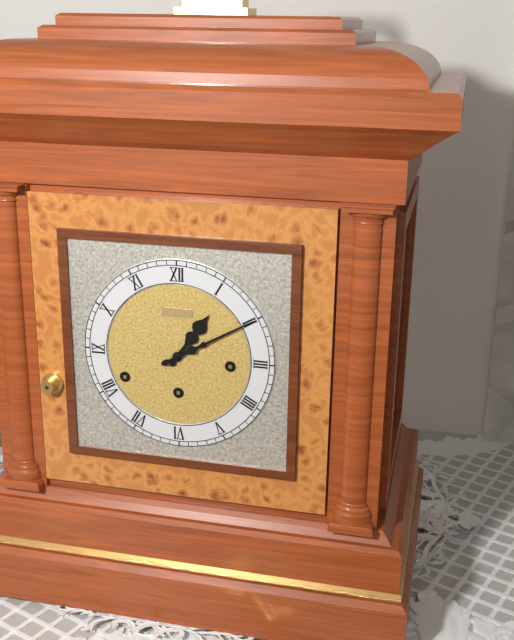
1:10
